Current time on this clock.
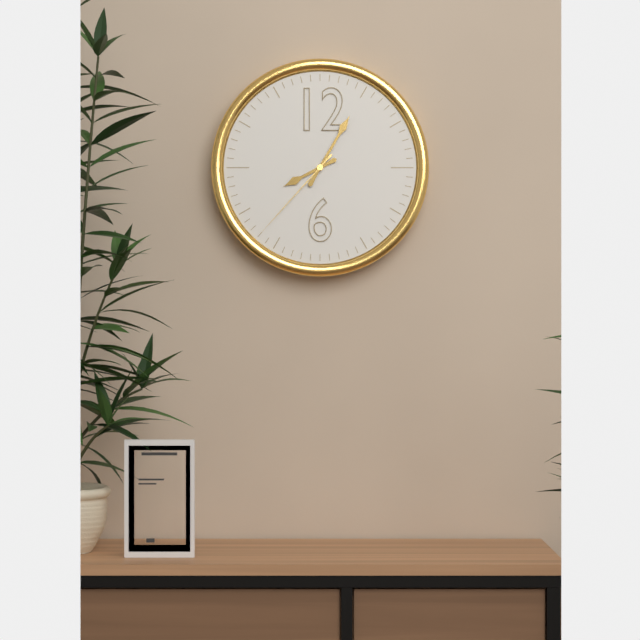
8:05:37
